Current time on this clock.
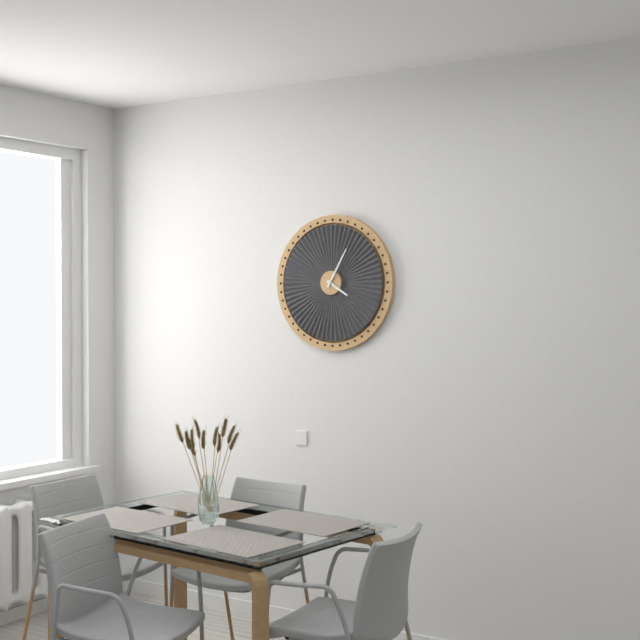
4:05
